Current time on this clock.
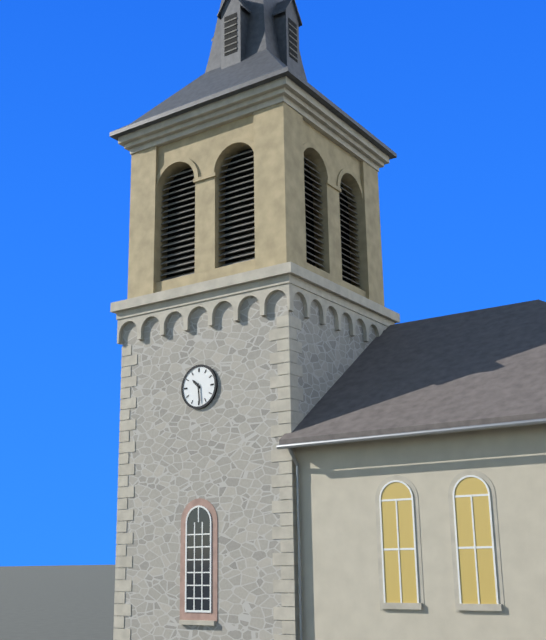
10:29
